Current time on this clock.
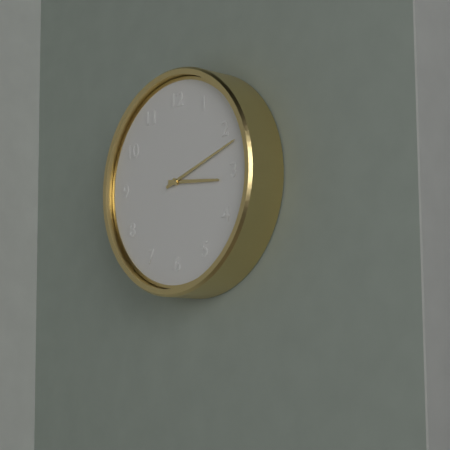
3:12
